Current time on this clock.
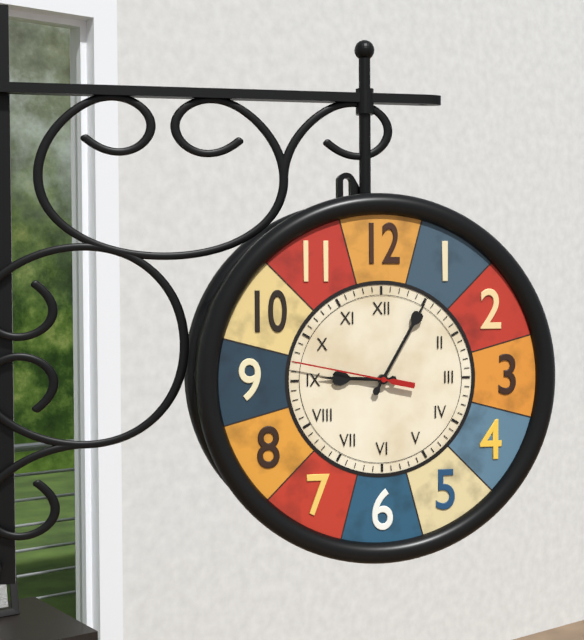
9:05:47
